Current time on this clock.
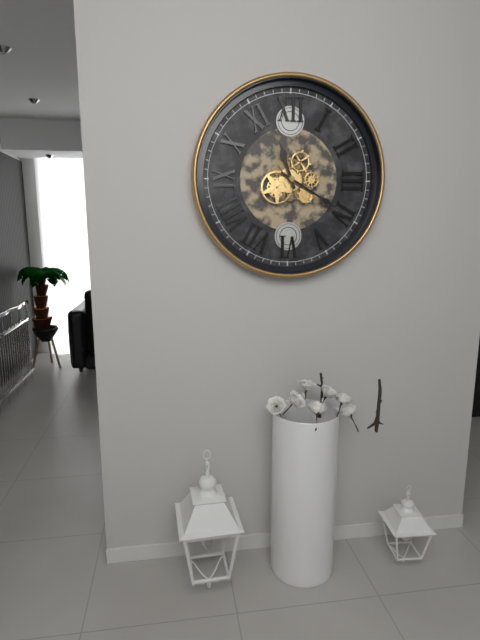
11:20
